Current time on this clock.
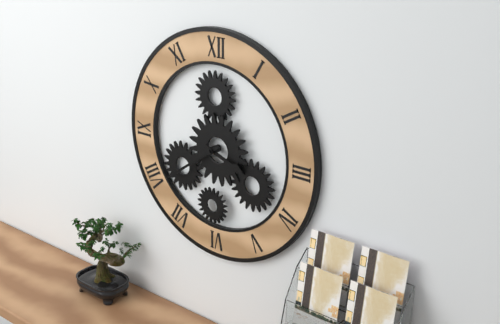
3:39
